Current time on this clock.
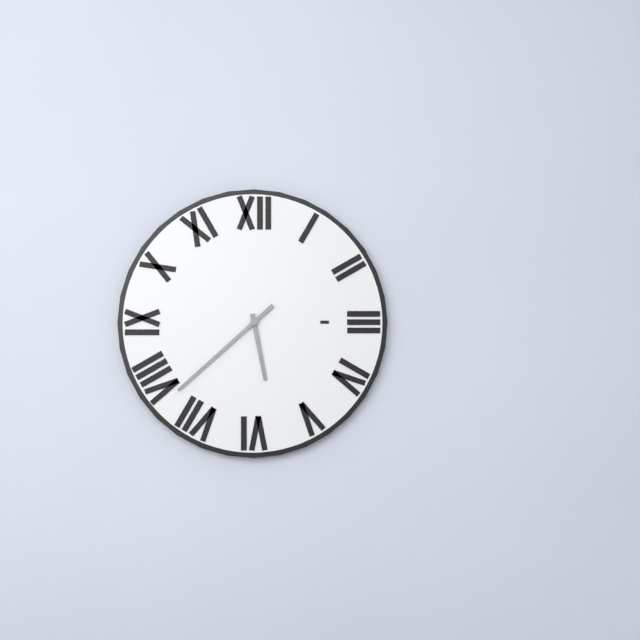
5:38
